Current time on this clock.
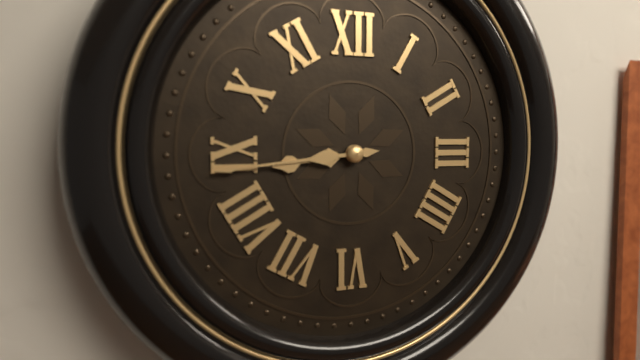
8:44
